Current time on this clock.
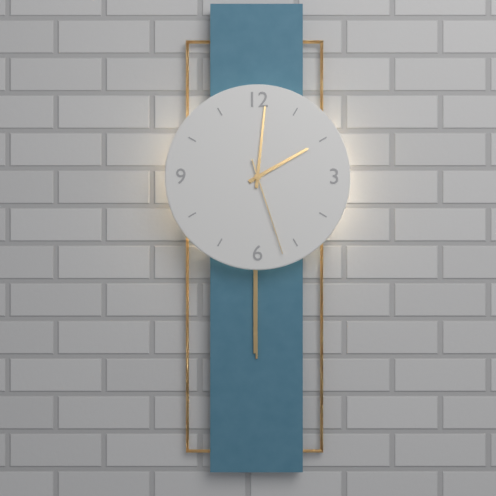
2:01:27
